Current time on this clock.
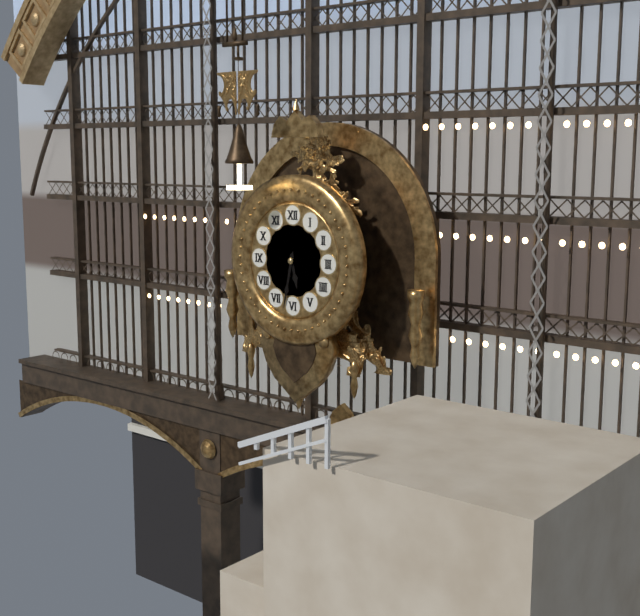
5:32
